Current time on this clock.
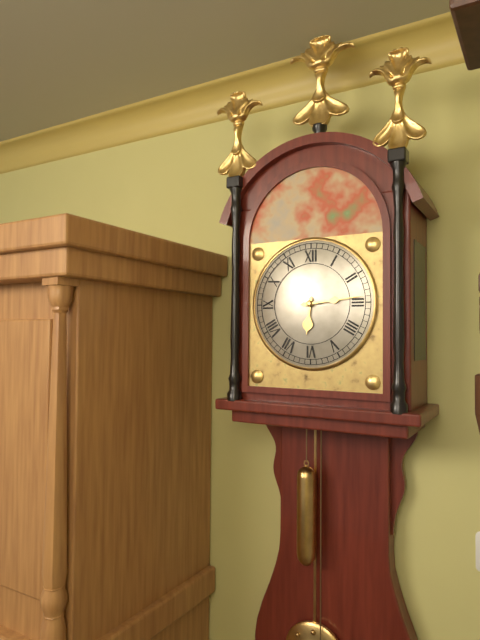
6:14
